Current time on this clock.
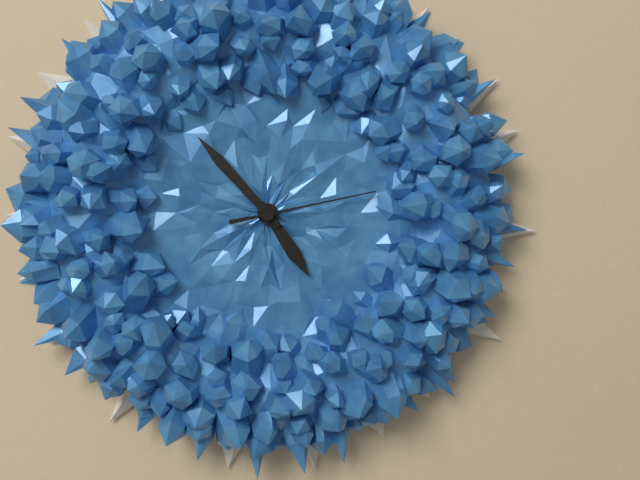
4:53:13
